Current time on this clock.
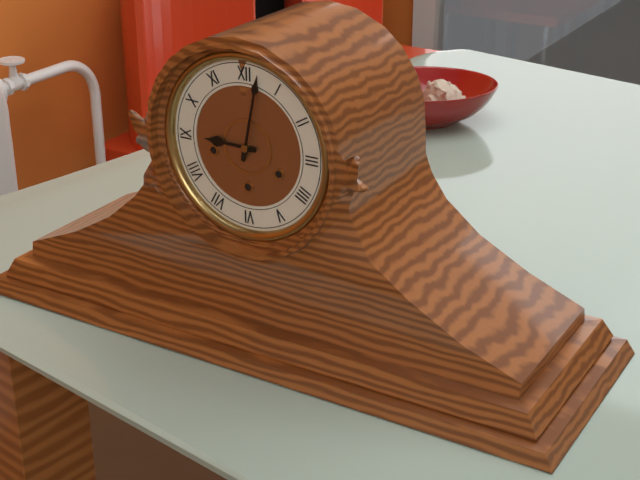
9:02
